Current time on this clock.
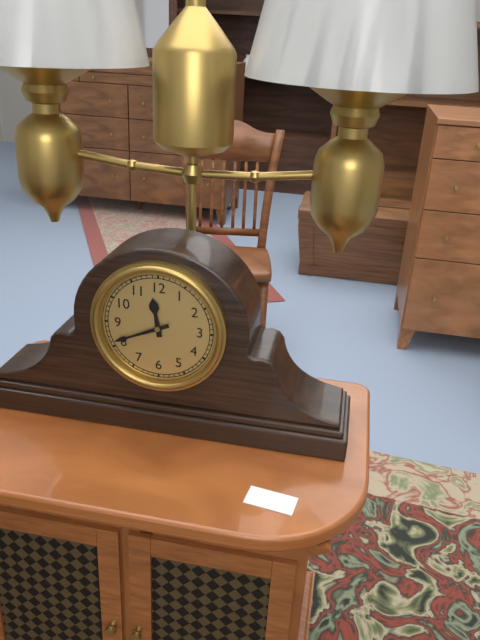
11:41
